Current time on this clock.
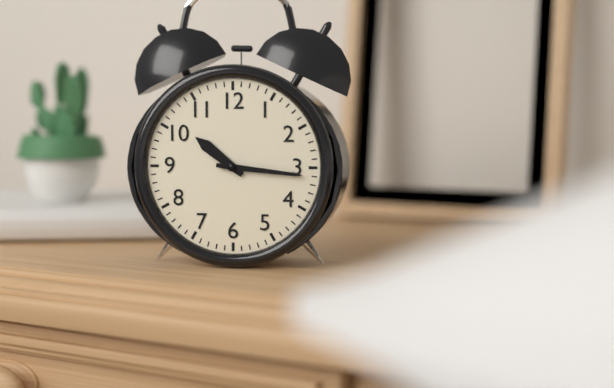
10:16
